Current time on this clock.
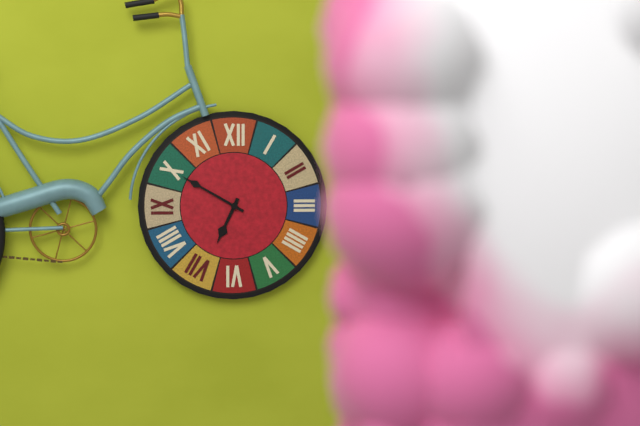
6:50
